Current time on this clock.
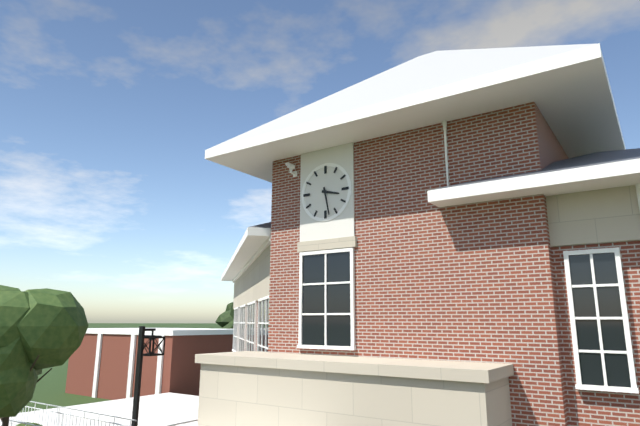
3:28
